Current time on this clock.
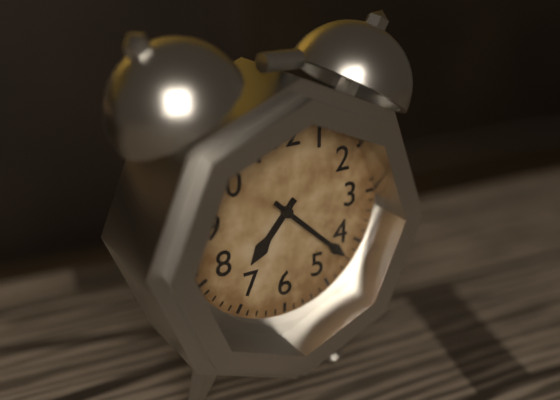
7:22
